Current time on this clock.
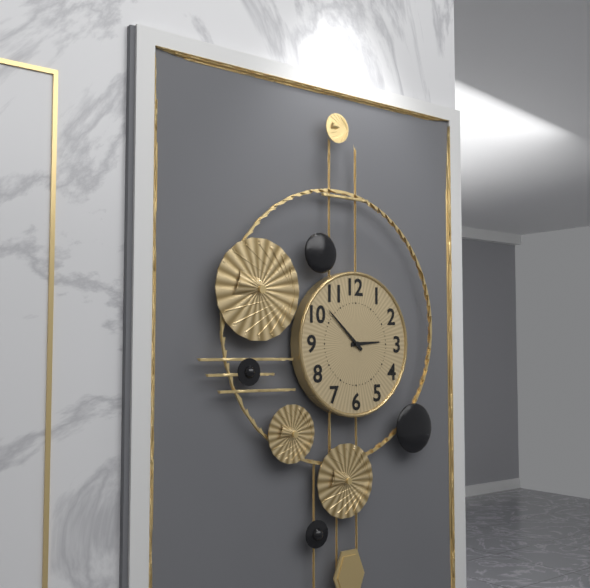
2:52
